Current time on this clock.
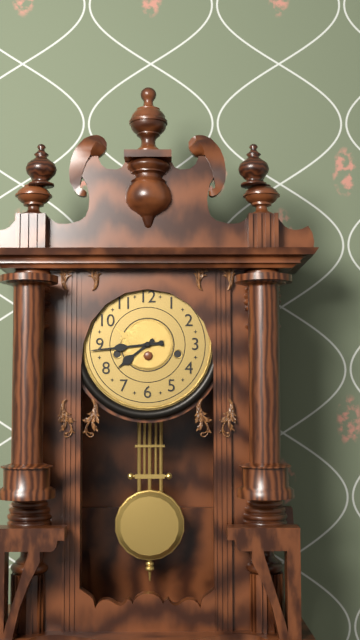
7:44
